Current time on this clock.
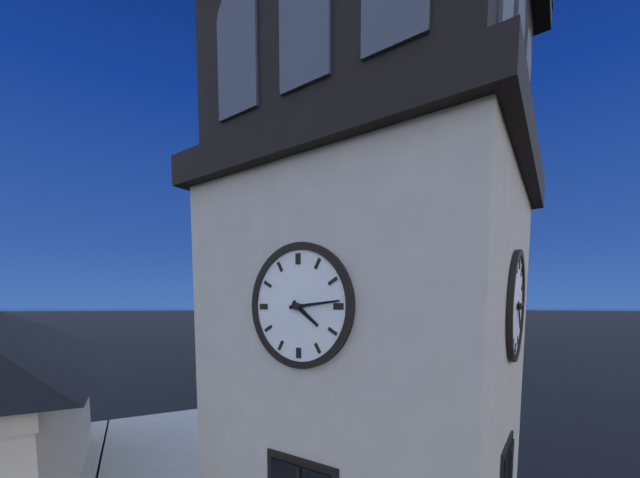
4:14
